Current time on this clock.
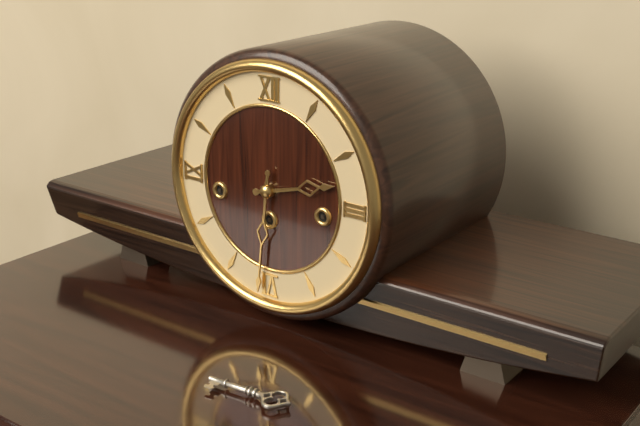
2:31
